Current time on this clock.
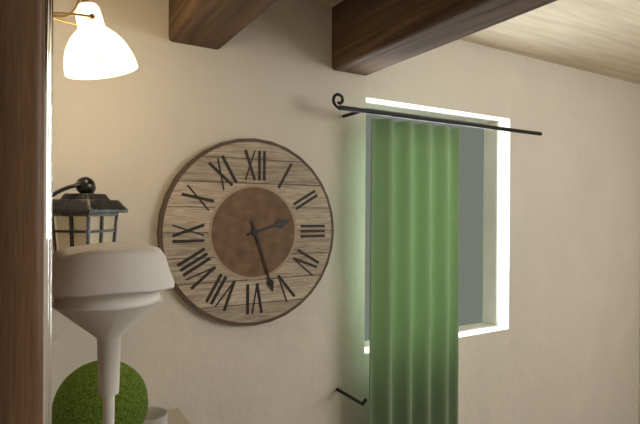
2:27
